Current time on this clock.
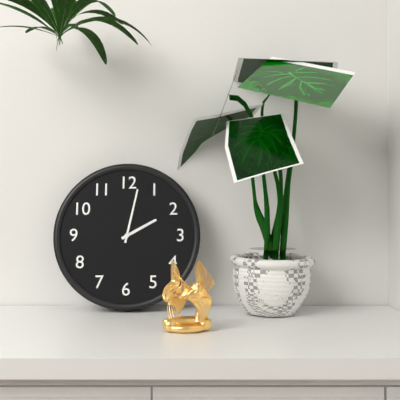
2:02
